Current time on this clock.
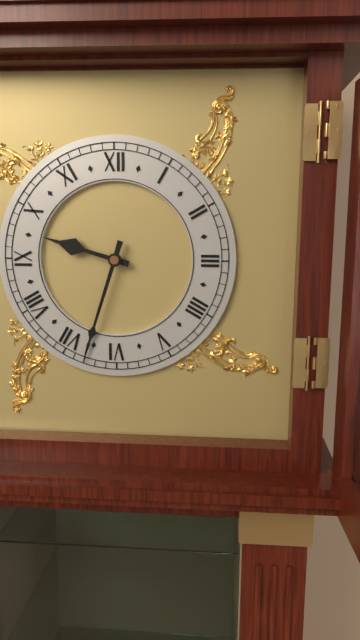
9:33
